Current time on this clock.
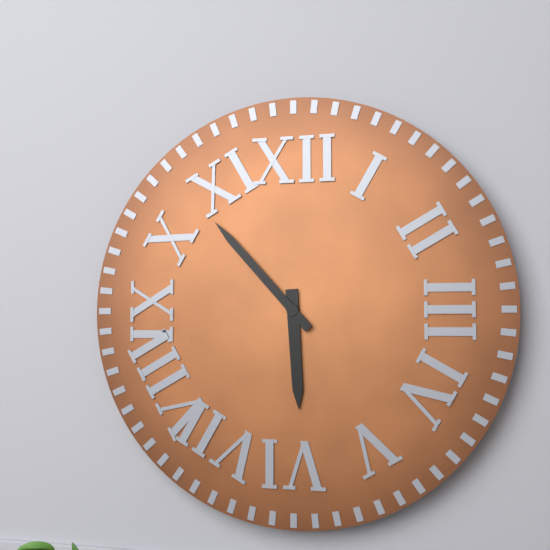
5:53
